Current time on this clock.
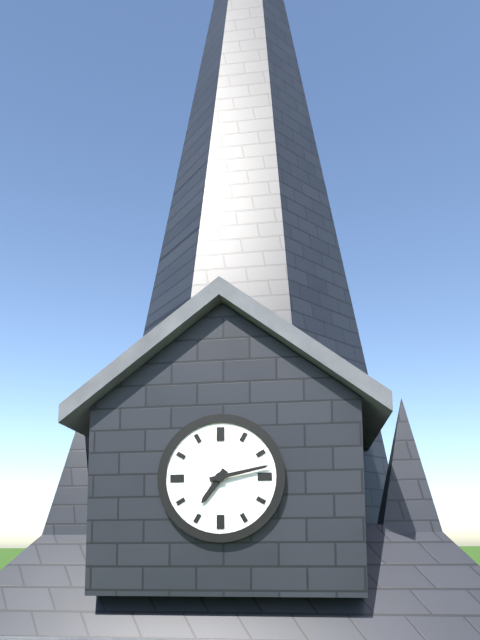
7:13
